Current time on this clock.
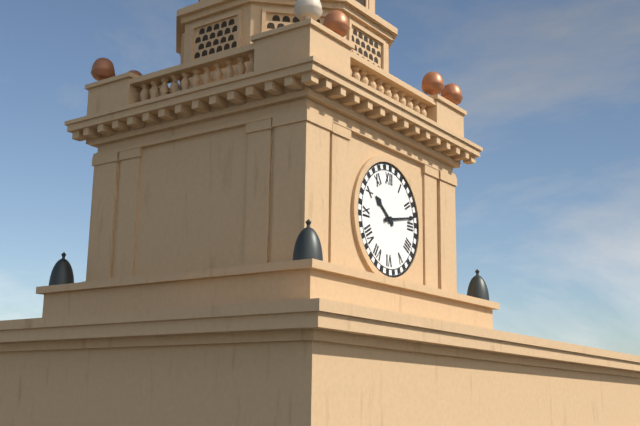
10:13
